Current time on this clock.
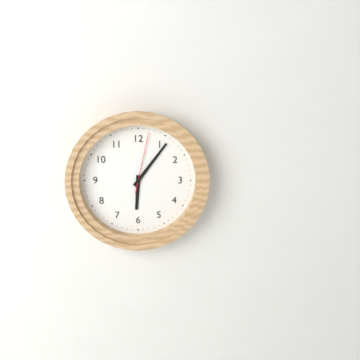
6:06:02
